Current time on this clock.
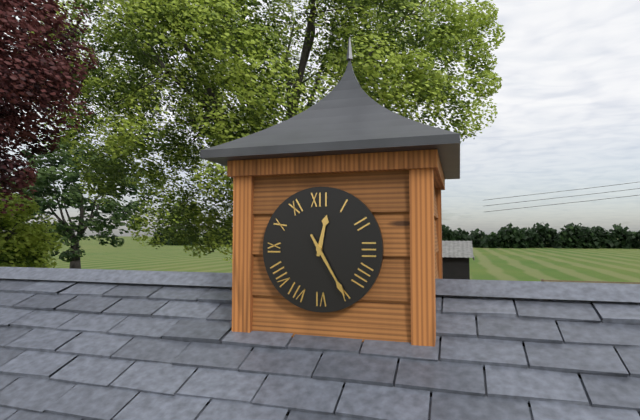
12:25
